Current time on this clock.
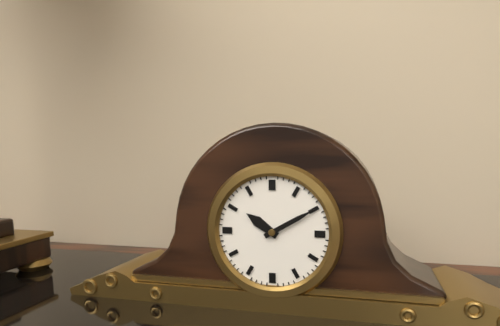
10:10
